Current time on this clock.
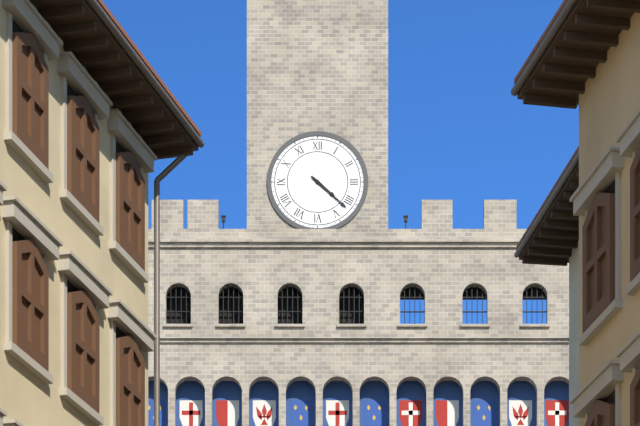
4:22
